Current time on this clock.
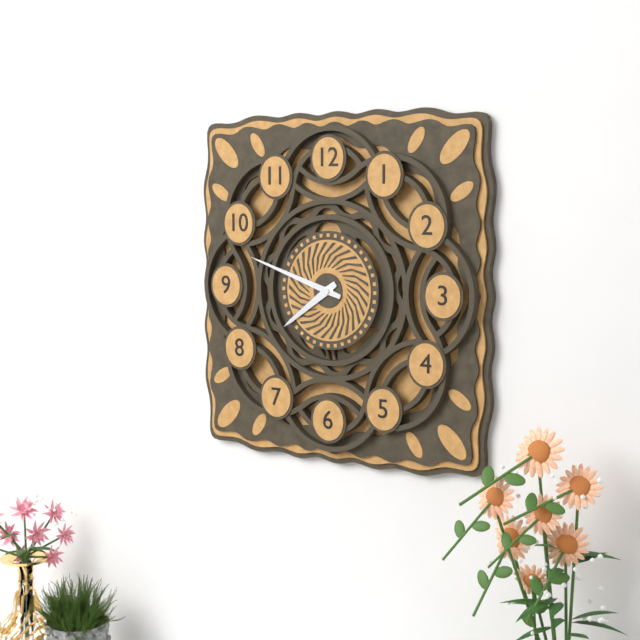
7:48
